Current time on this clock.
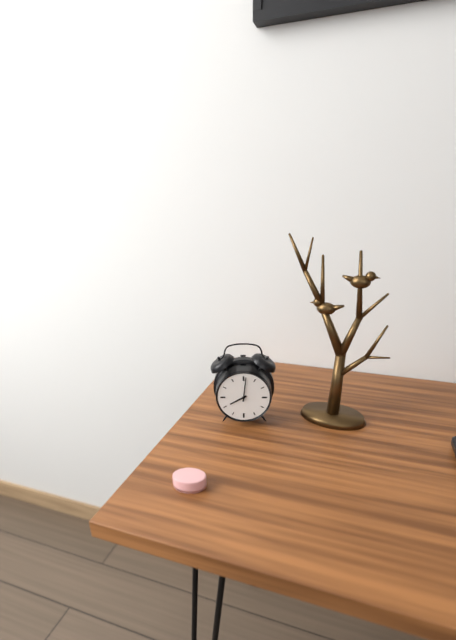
8:01
